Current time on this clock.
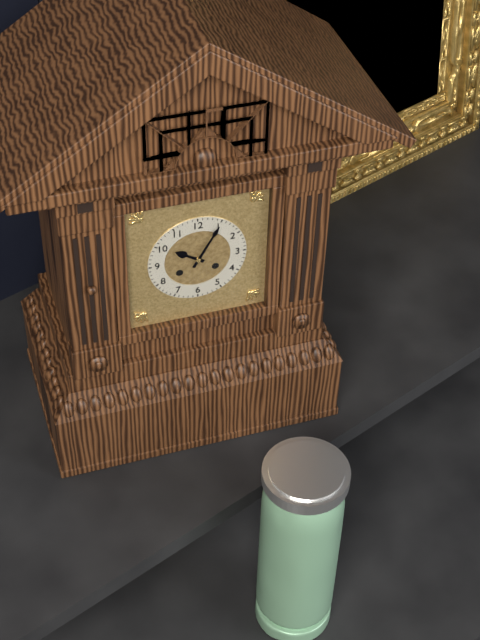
10:05
